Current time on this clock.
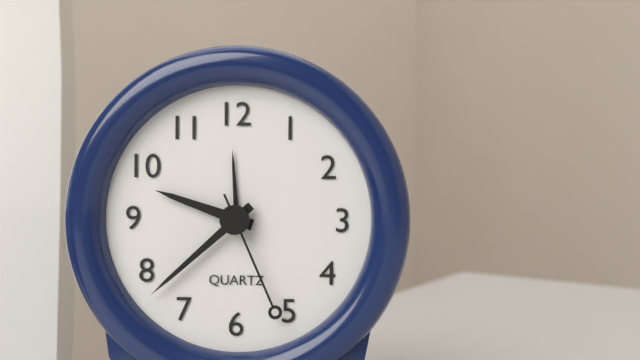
9:38:26
